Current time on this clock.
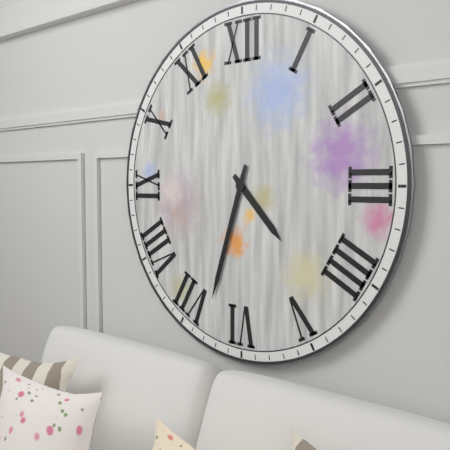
4:33
